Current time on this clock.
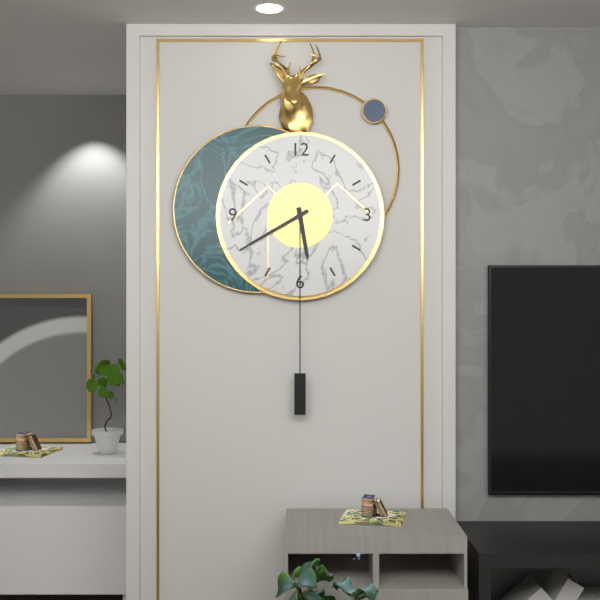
5:40
